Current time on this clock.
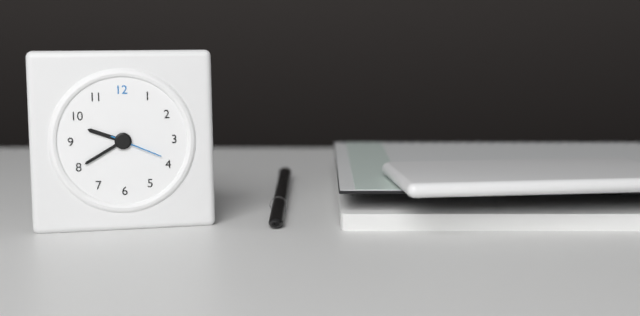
9:40:19
